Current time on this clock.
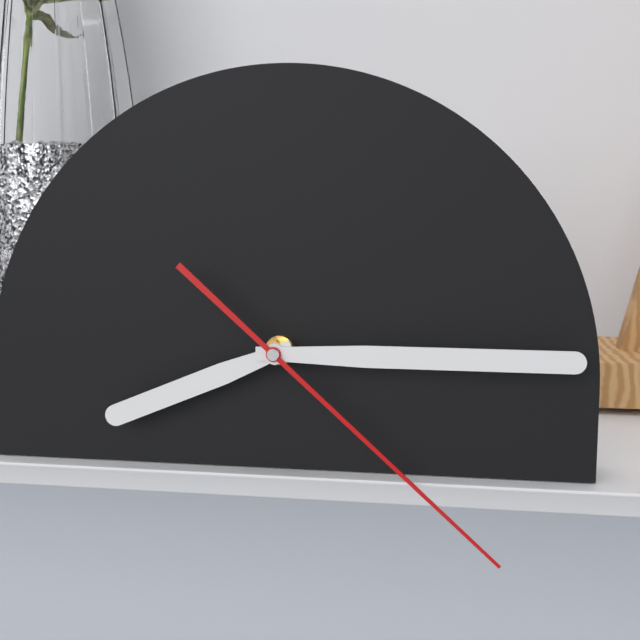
8:15:22
